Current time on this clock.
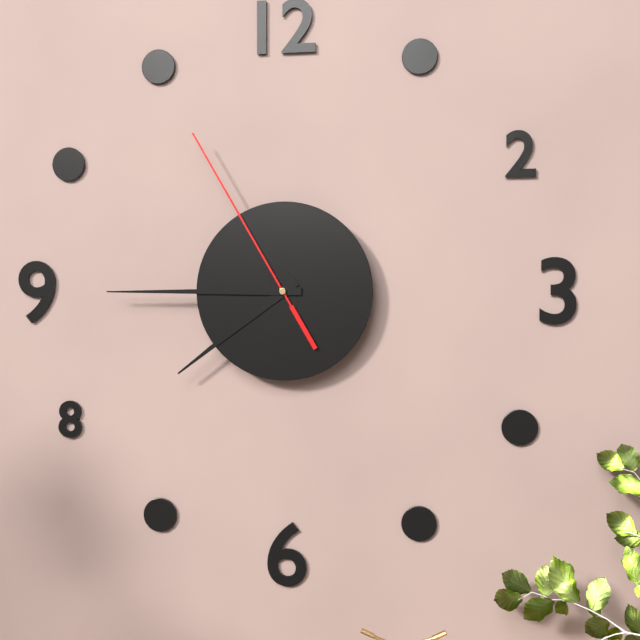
7:45:55
